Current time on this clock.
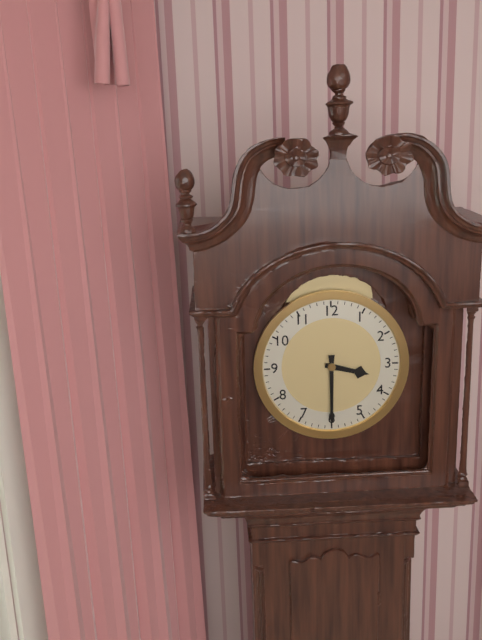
3:30
